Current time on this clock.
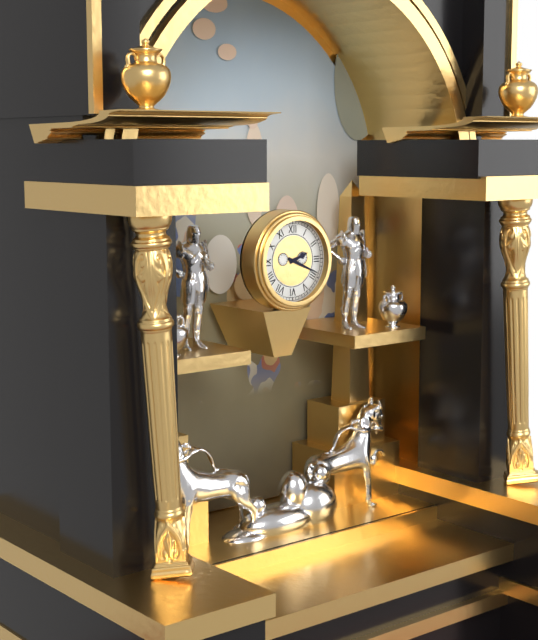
2:19
